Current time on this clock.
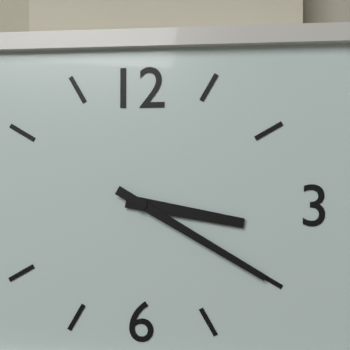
3:20
